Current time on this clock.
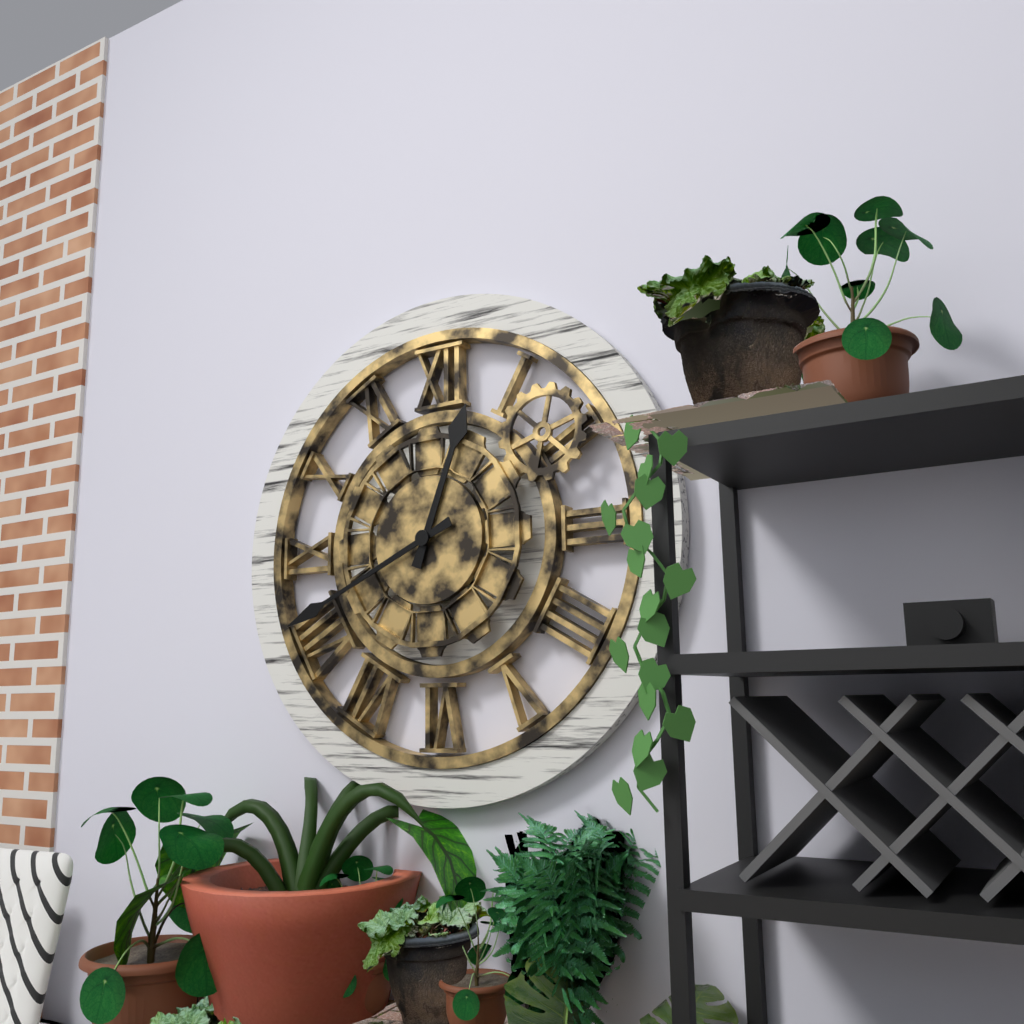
12:41
